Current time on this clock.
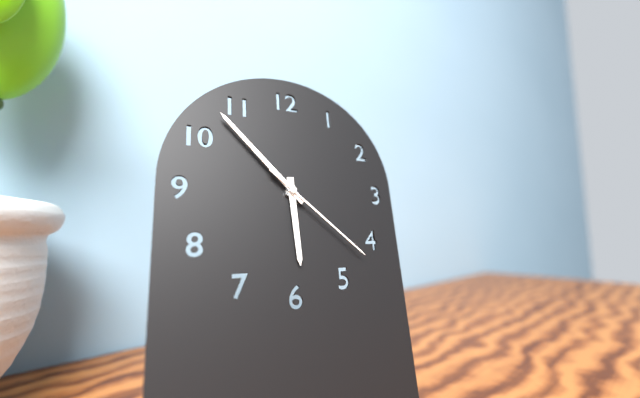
5:53:22
